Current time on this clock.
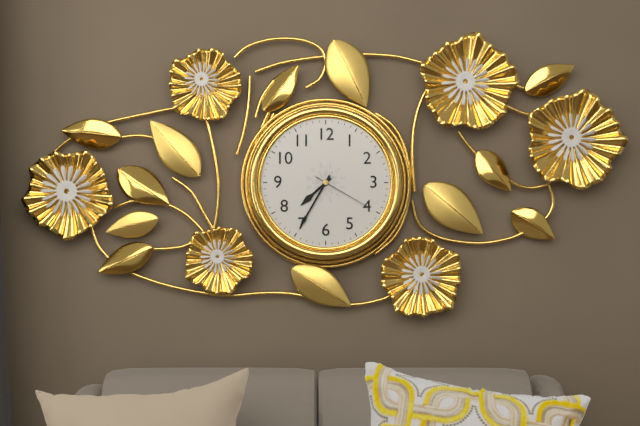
7:35:20
